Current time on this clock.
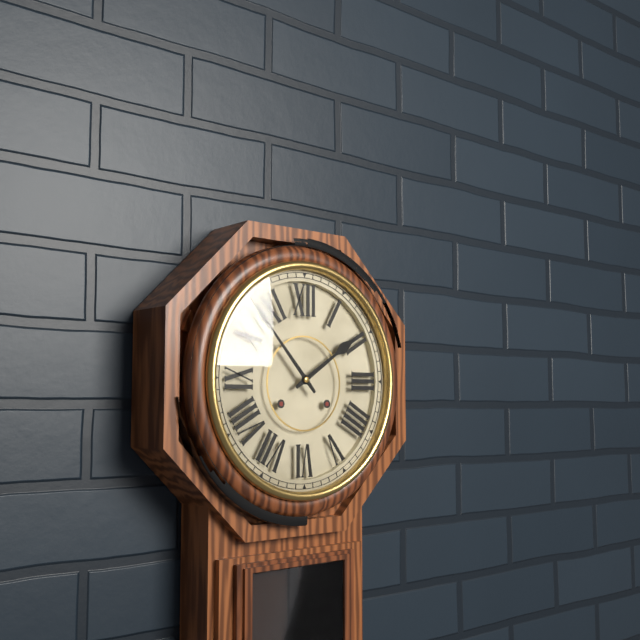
1:53
